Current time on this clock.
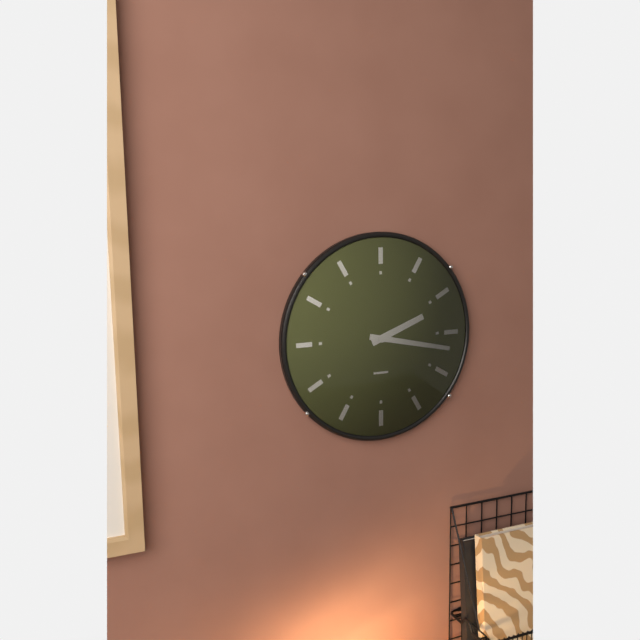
2:17
